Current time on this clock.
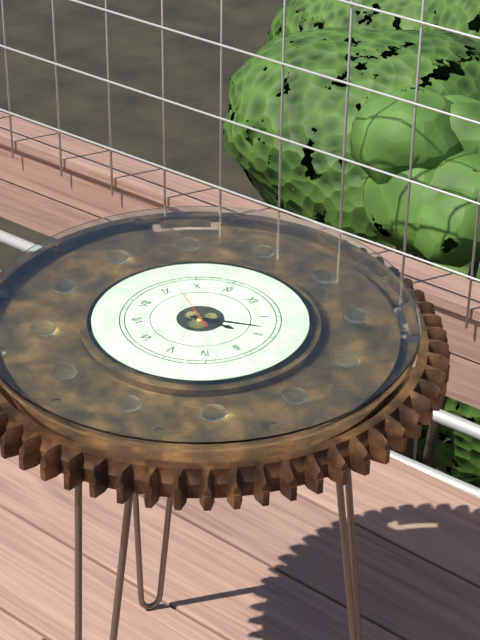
2:08:47
